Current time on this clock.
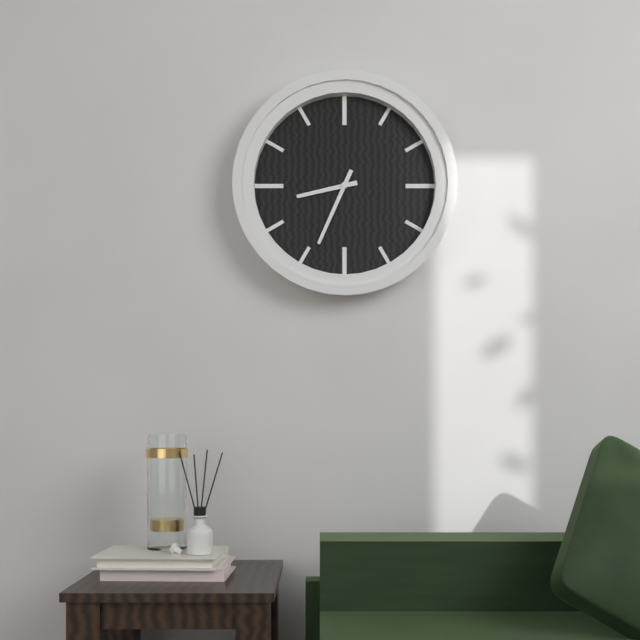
8:34
